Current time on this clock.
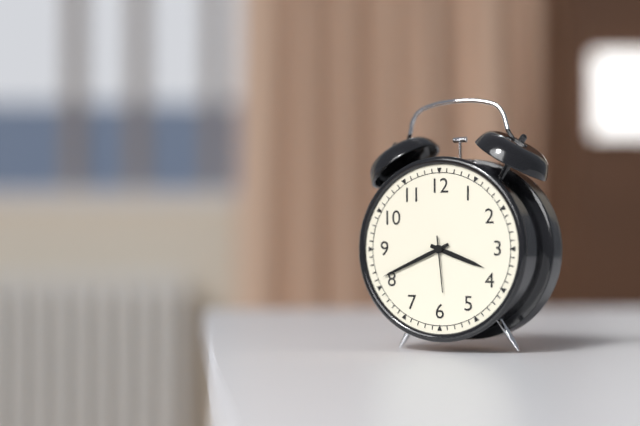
3:41:29
